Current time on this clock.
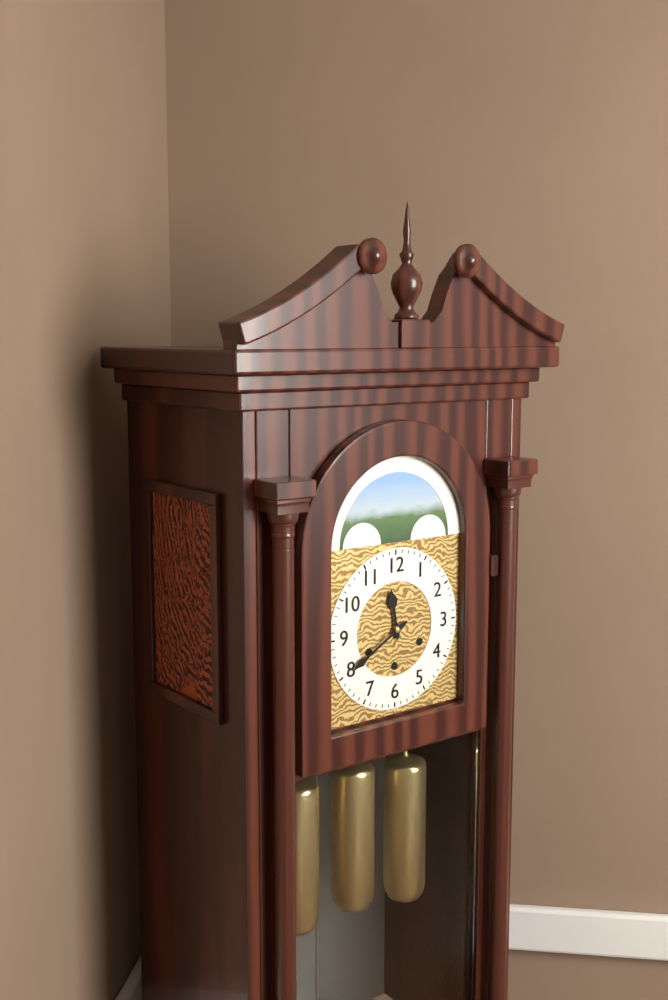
11:40
